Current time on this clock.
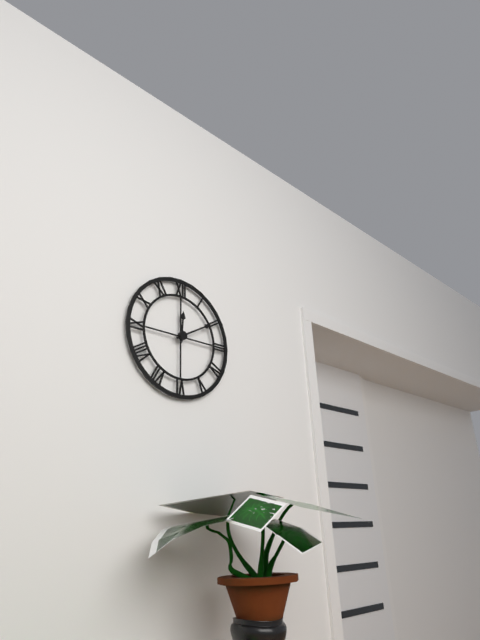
12:10
